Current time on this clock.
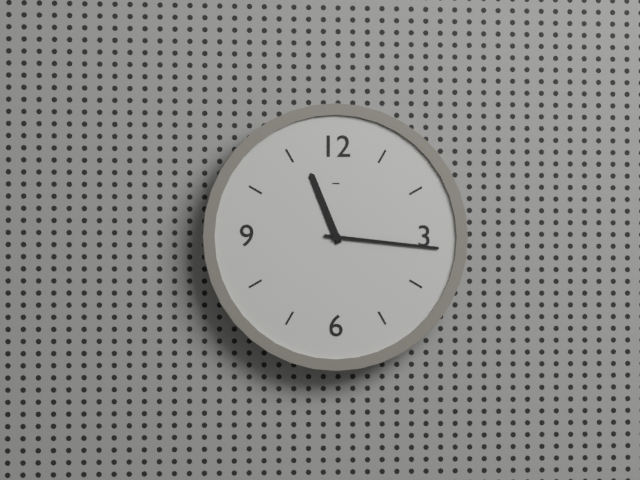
11:16
